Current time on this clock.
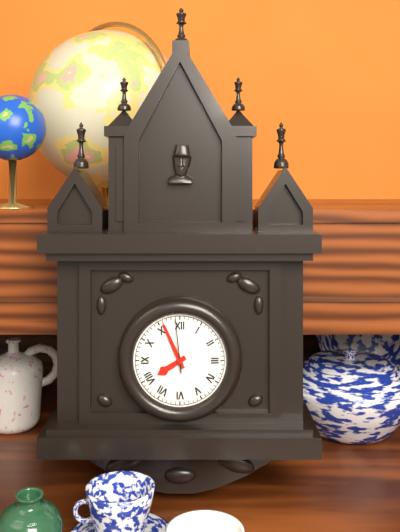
7:56
